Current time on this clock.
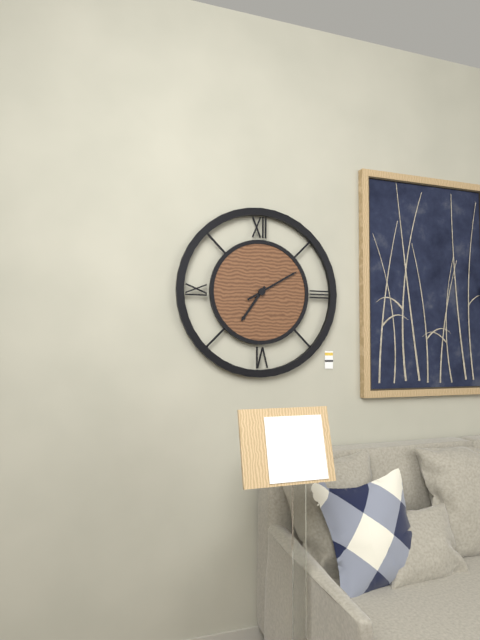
7:10
